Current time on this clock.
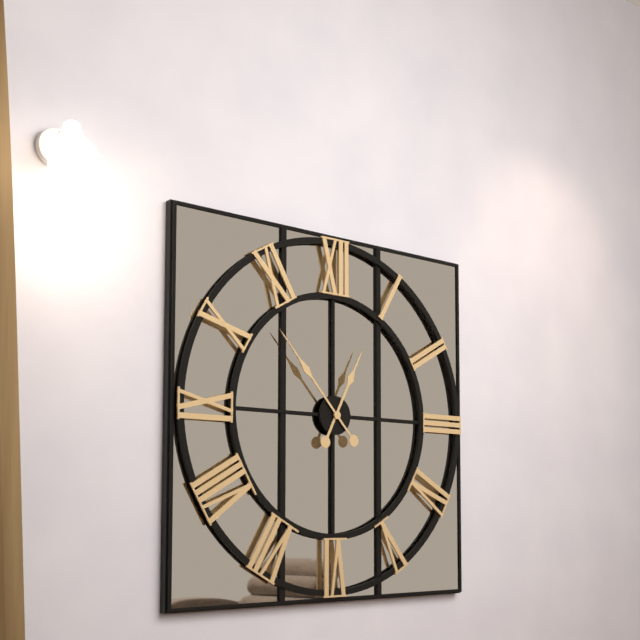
12:53
